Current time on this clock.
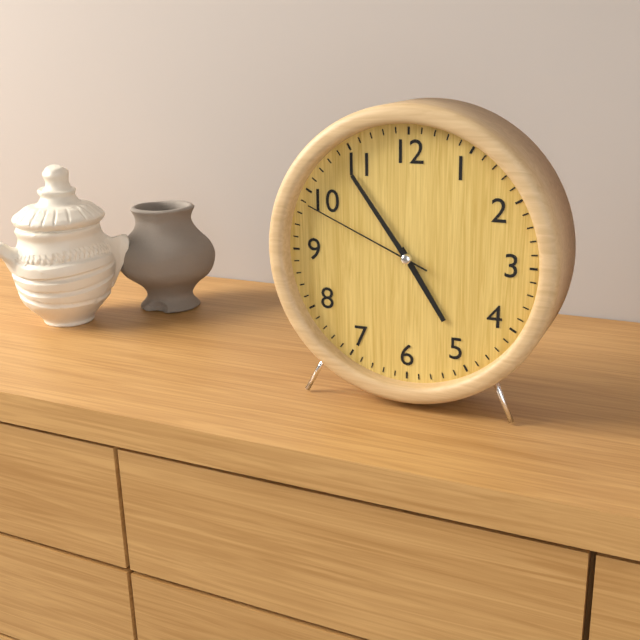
4:54:49
